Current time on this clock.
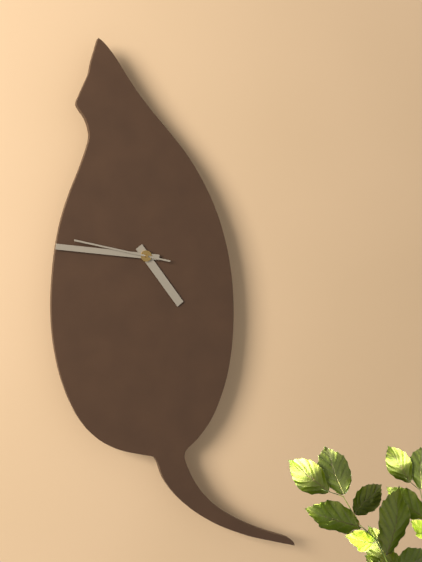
4:46:47
